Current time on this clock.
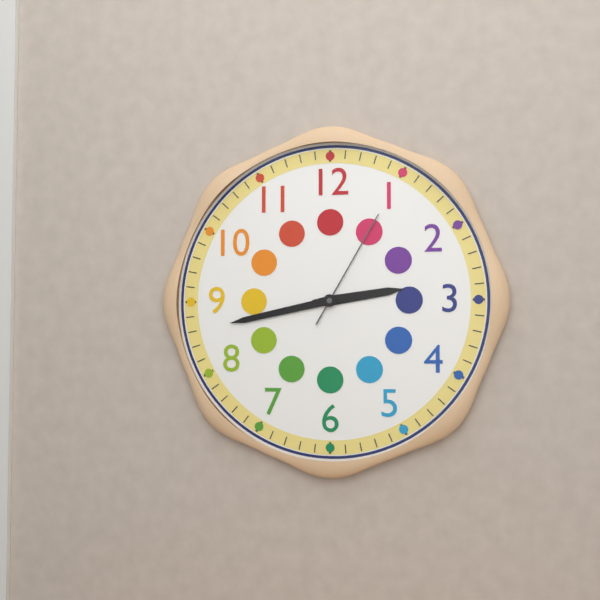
2:43:05
